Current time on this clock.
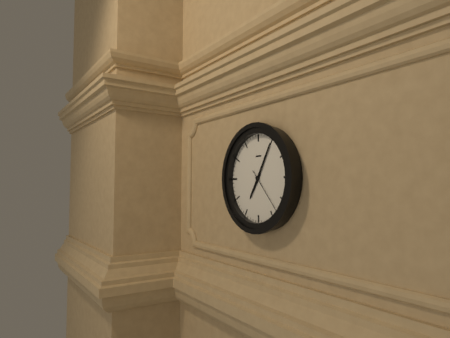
7:05
